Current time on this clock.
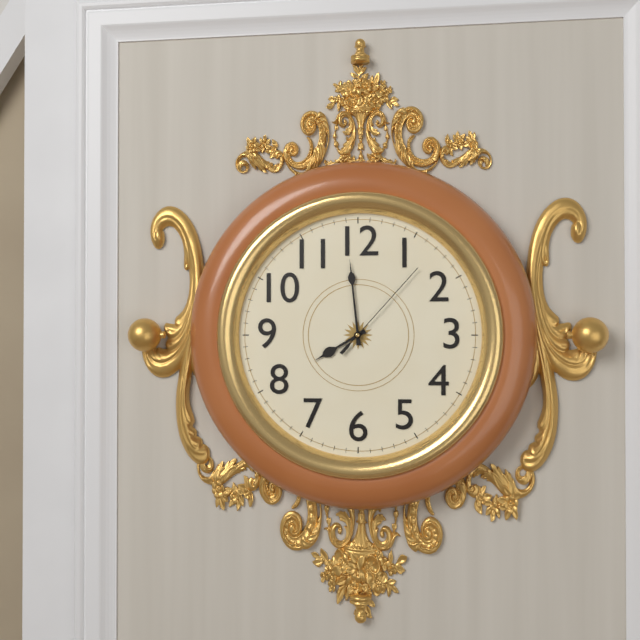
7:59:07
